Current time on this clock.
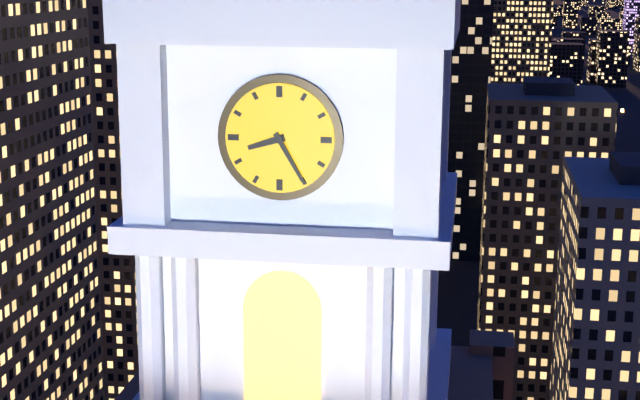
8:25
